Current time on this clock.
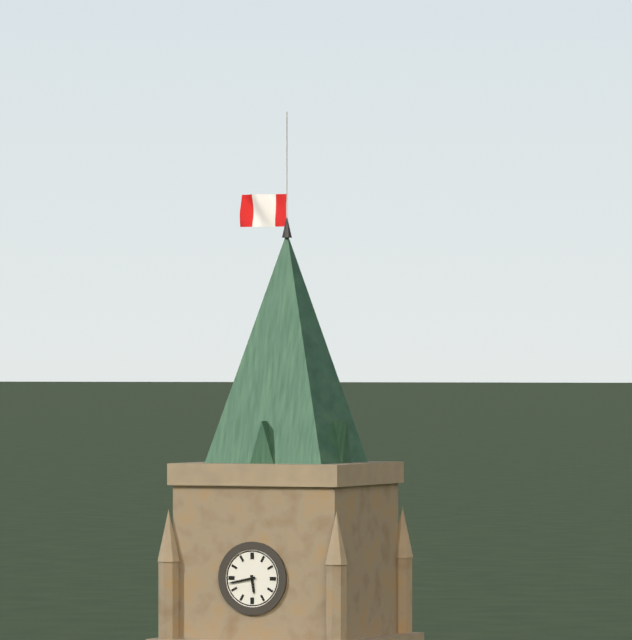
5:43
